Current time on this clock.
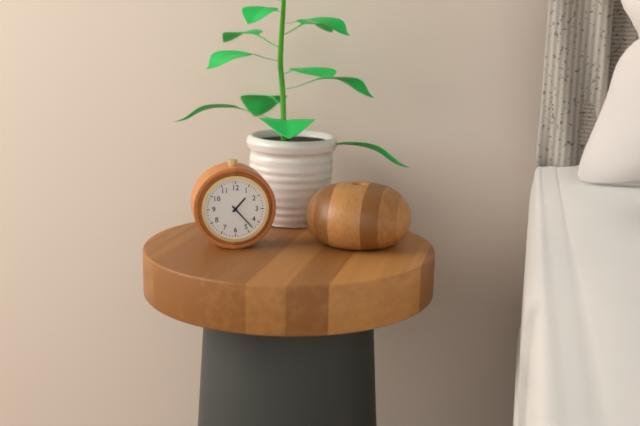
1:23
